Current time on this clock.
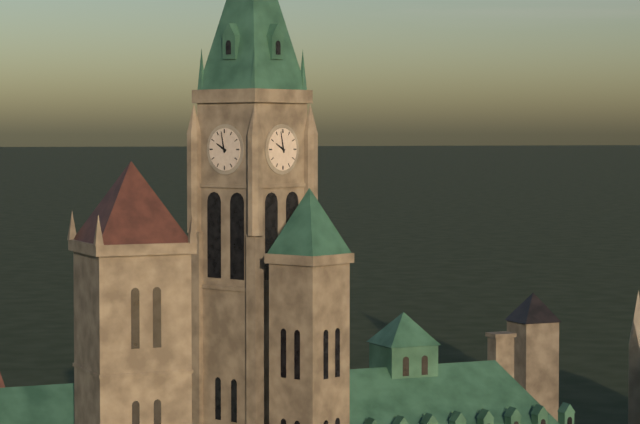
9:58
